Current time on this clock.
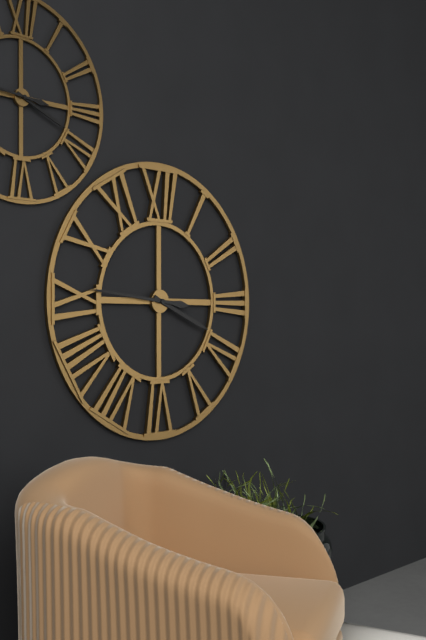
3:46
